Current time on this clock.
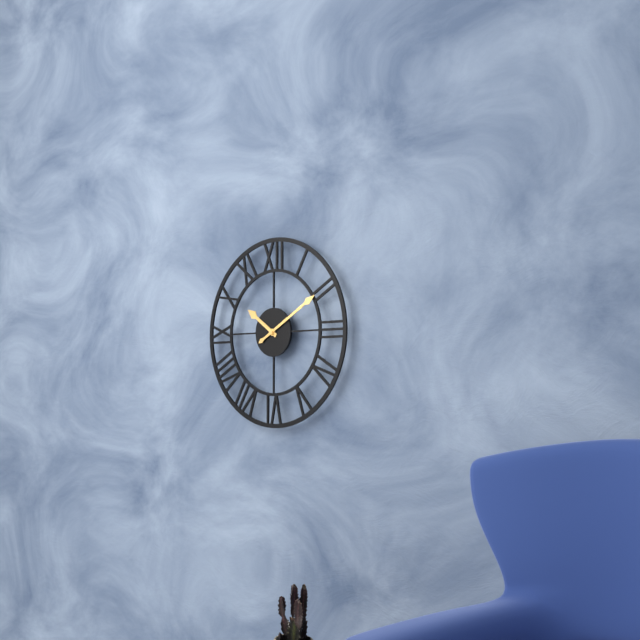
10:10
